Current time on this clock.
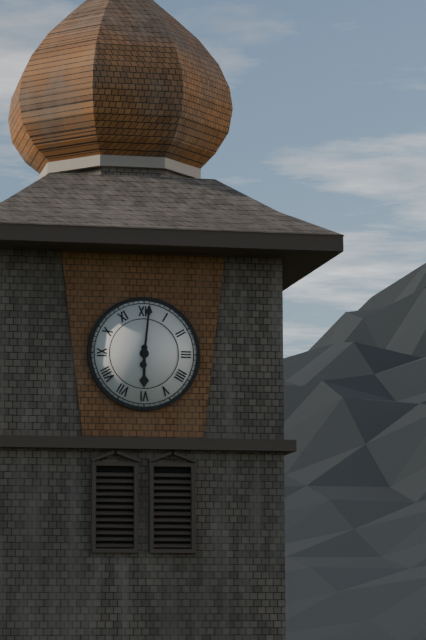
6:01
